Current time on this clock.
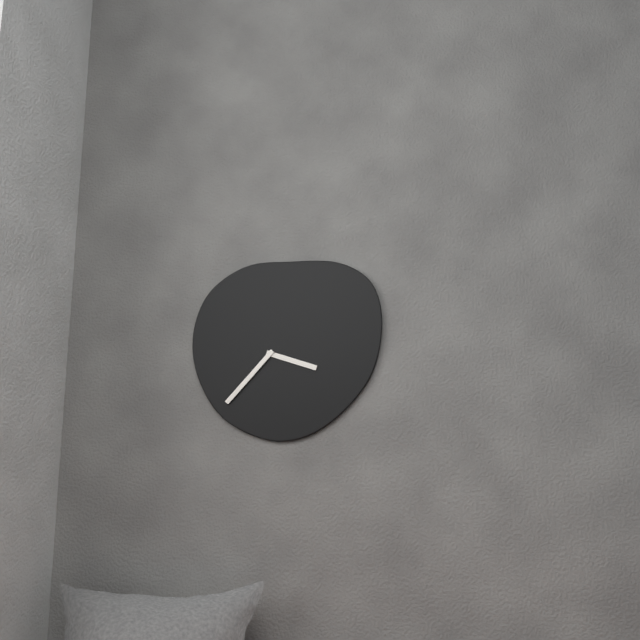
3:37
